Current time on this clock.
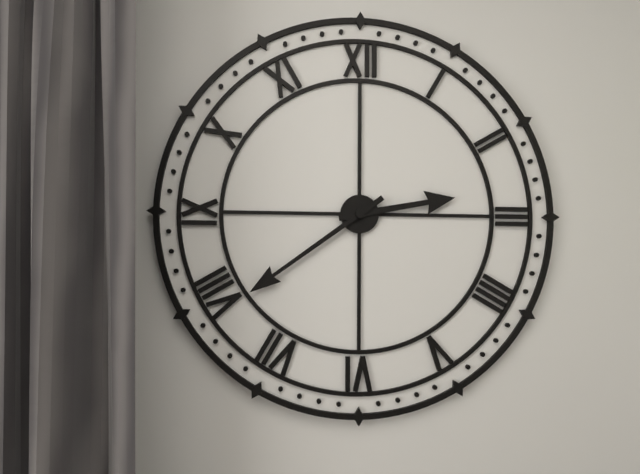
2:39
